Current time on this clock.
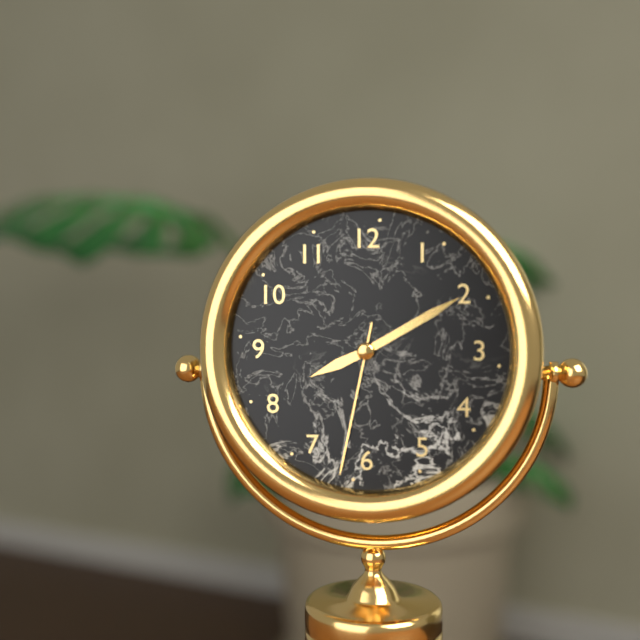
8:10:32
